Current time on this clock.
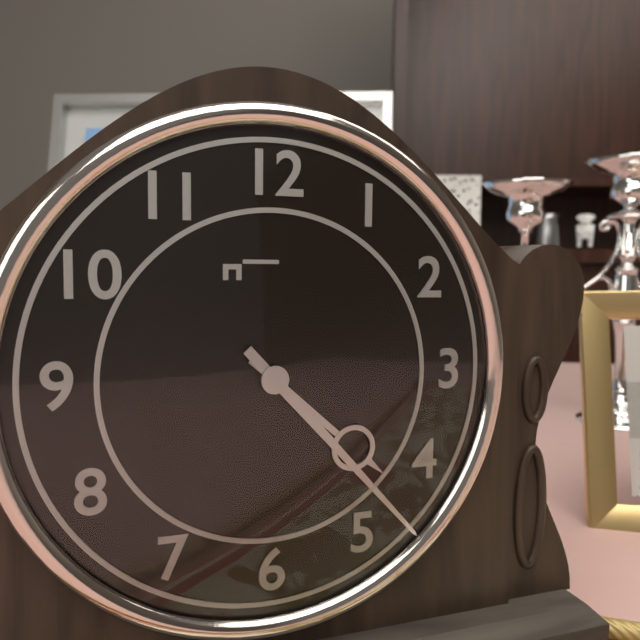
4:23
